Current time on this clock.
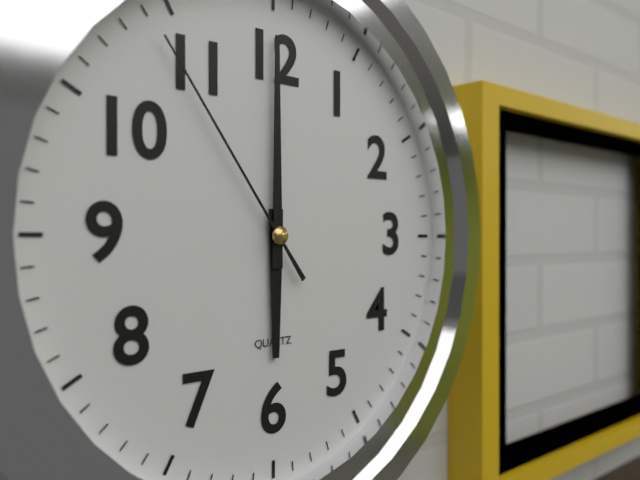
6:00:54
